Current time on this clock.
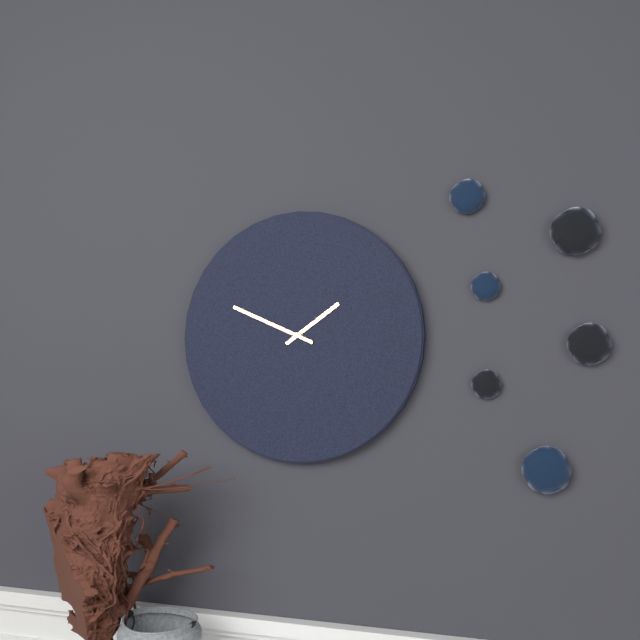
1:49
